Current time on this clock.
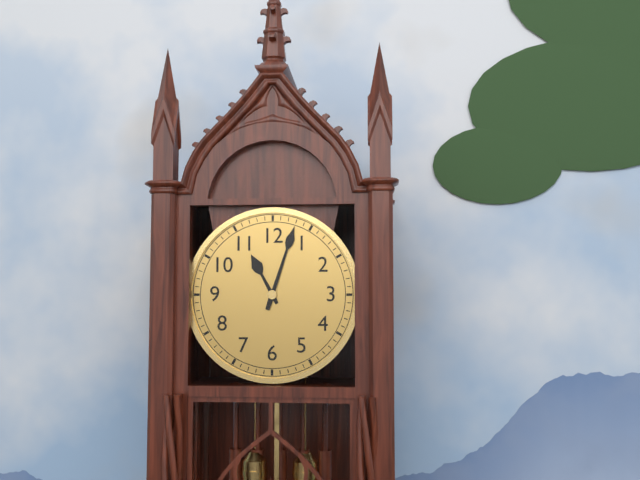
11:03
